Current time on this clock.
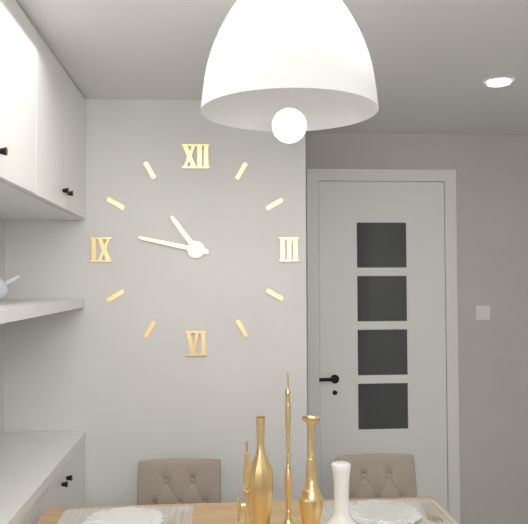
10:47
